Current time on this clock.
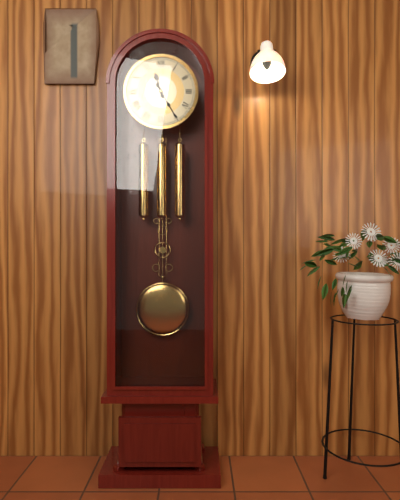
11:25
